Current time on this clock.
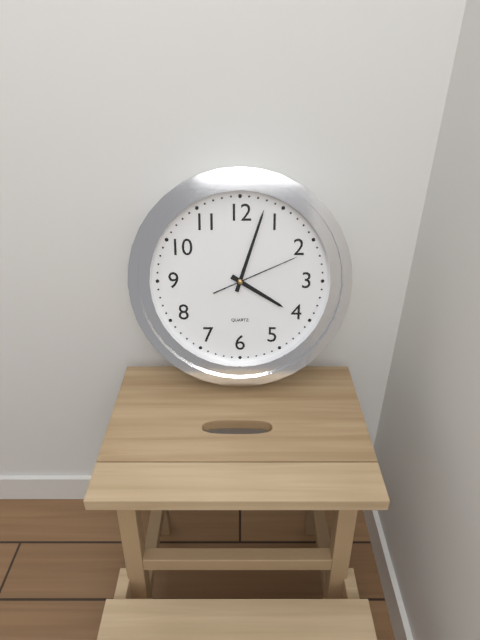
4:03:11
